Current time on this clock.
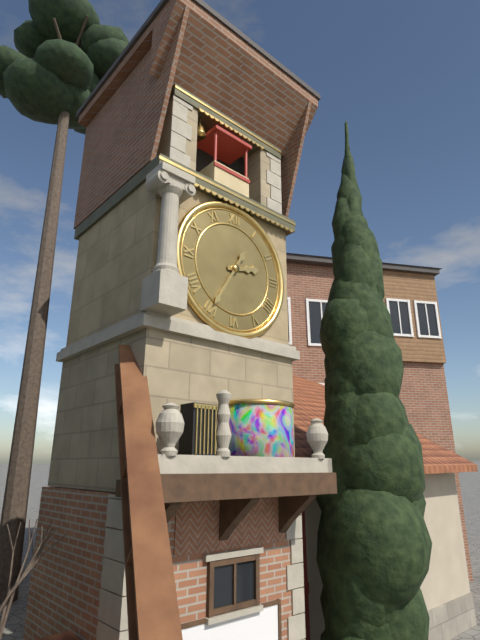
2:35
